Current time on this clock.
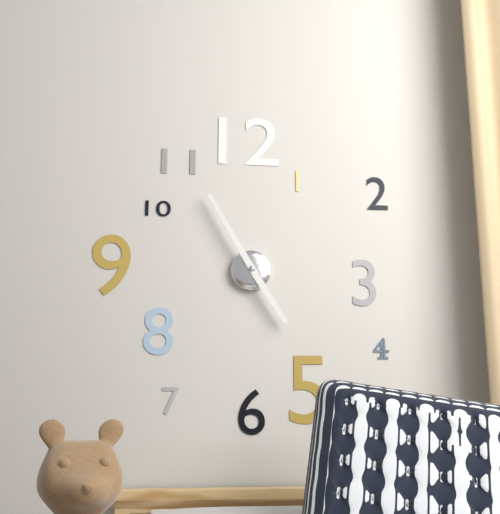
4:55
